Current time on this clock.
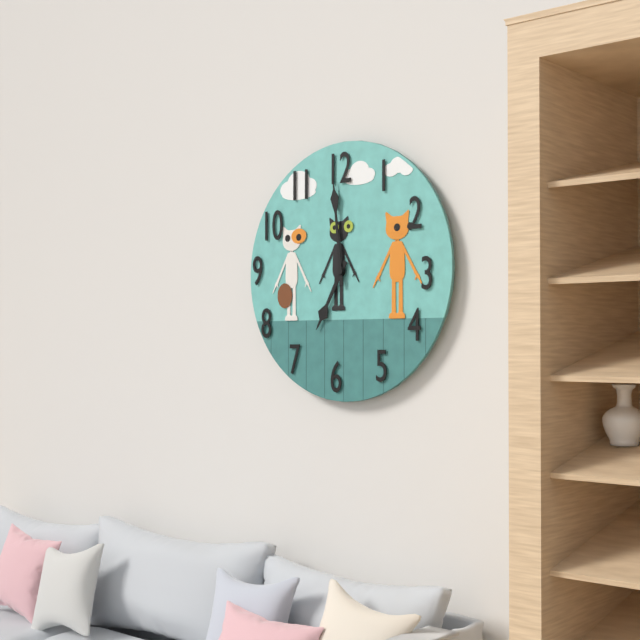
6:59
